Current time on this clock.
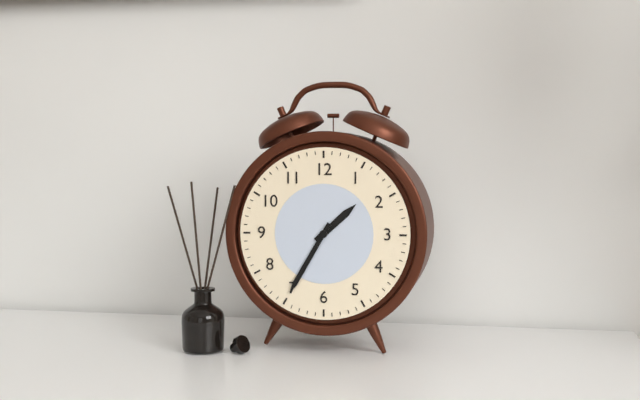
1:35
